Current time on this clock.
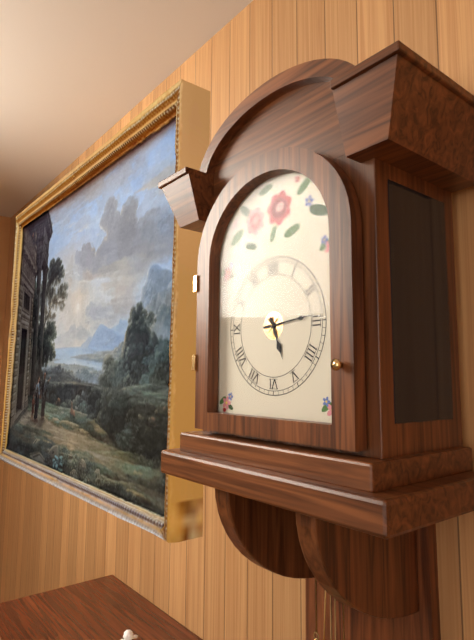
5:14
